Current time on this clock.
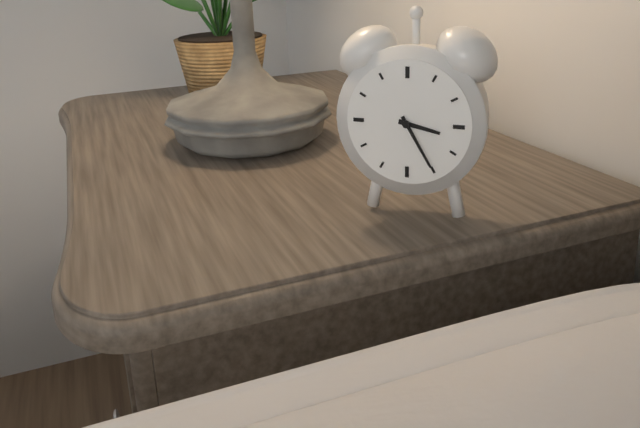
3:25
